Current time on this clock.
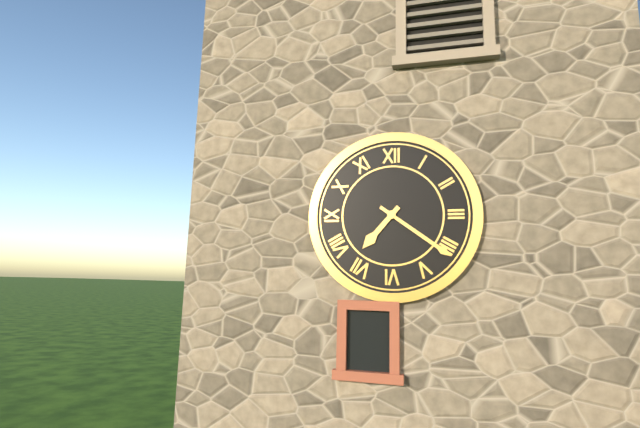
7:21
